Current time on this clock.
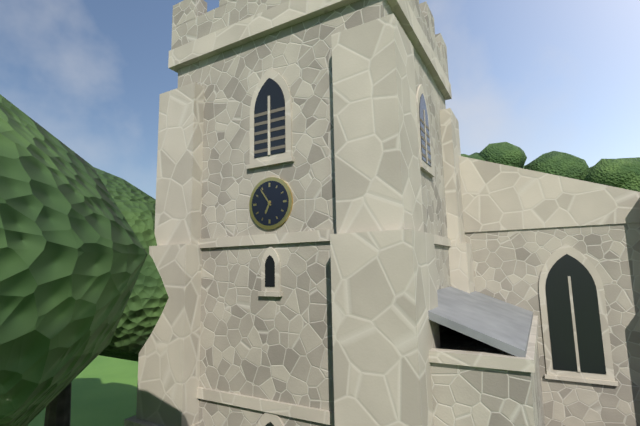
6:54
